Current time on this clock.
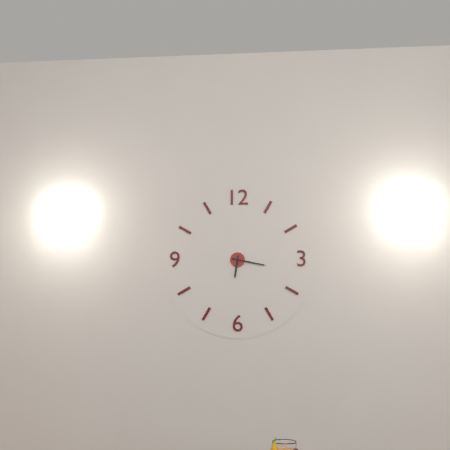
6:17
